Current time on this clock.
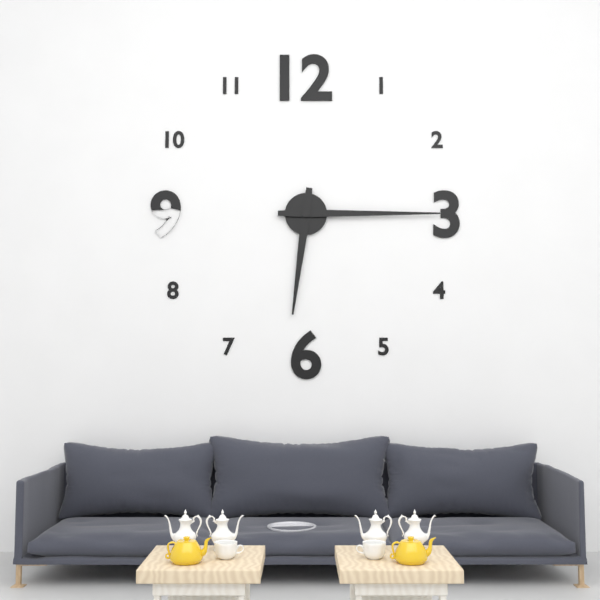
6:15
